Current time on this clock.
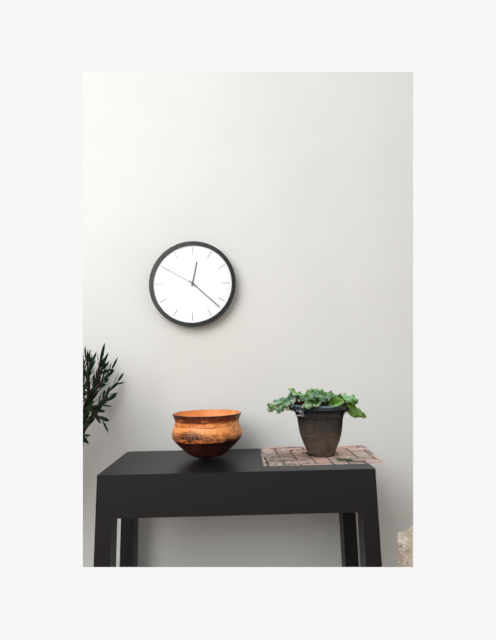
12:22
